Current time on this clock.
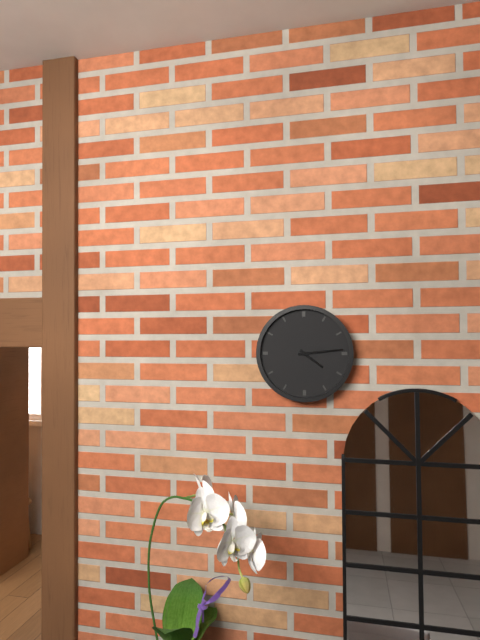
4:14
